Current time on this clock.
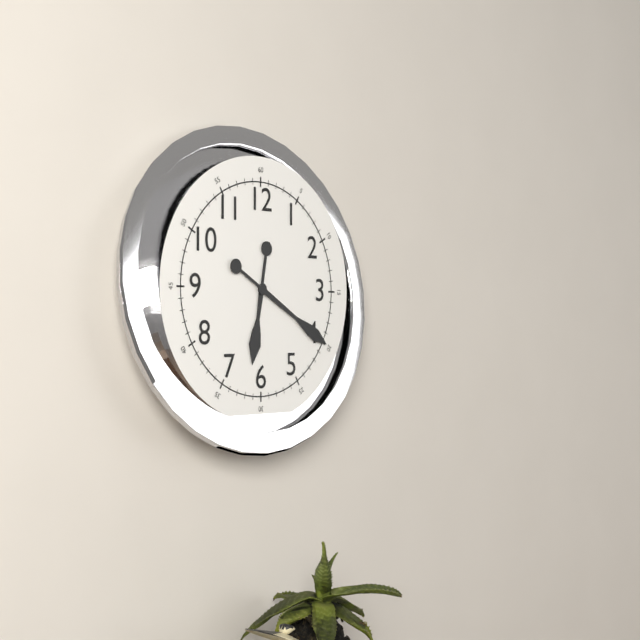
6:20
